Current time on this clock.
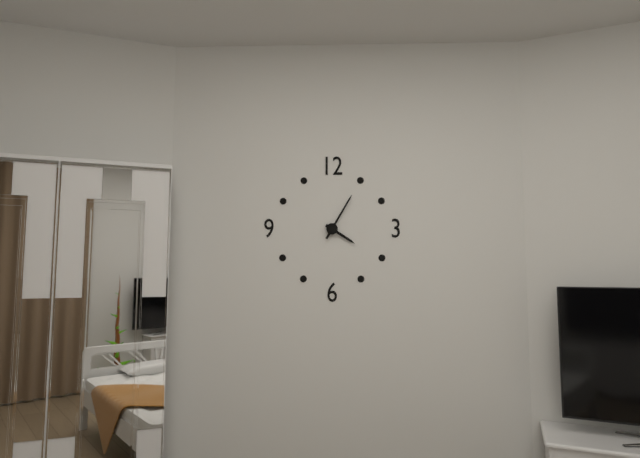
4:05
